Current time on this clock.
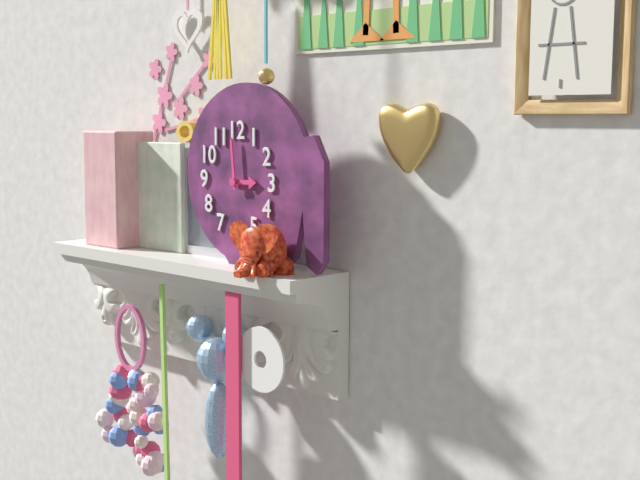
2:59
